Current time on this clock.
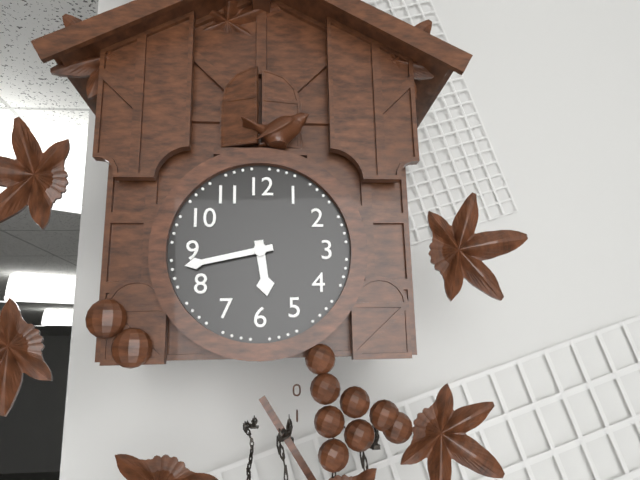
5:43
